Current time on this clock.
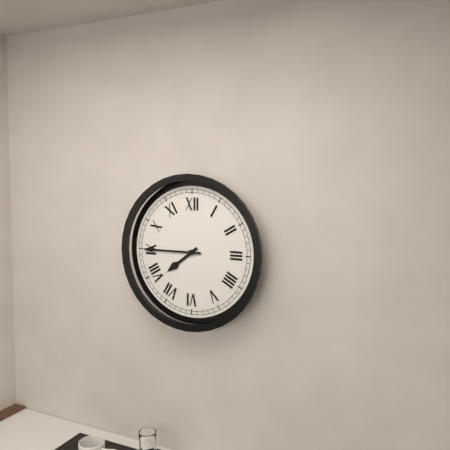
7:45
